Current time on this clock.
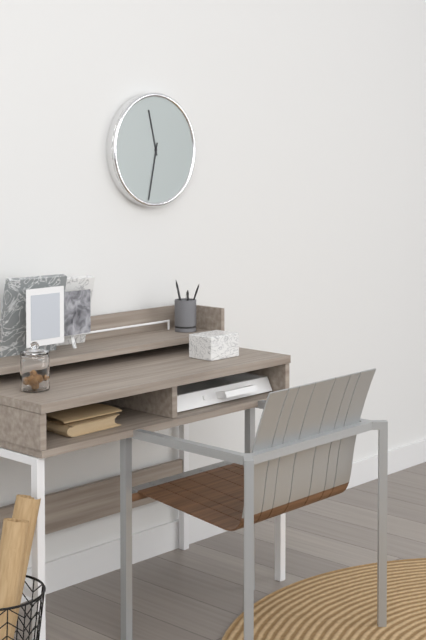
11:32
